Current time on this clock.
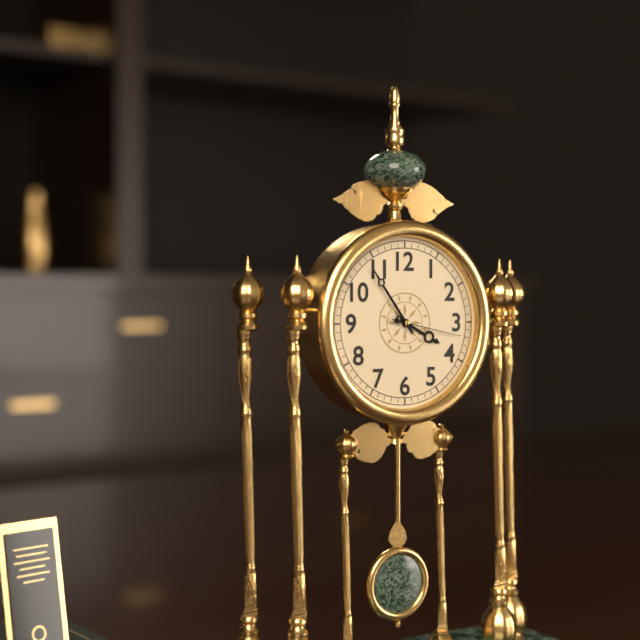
3:54:17
